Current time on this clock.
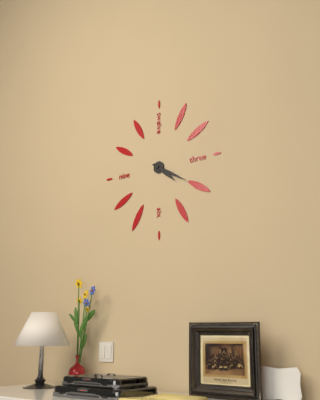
4:20
